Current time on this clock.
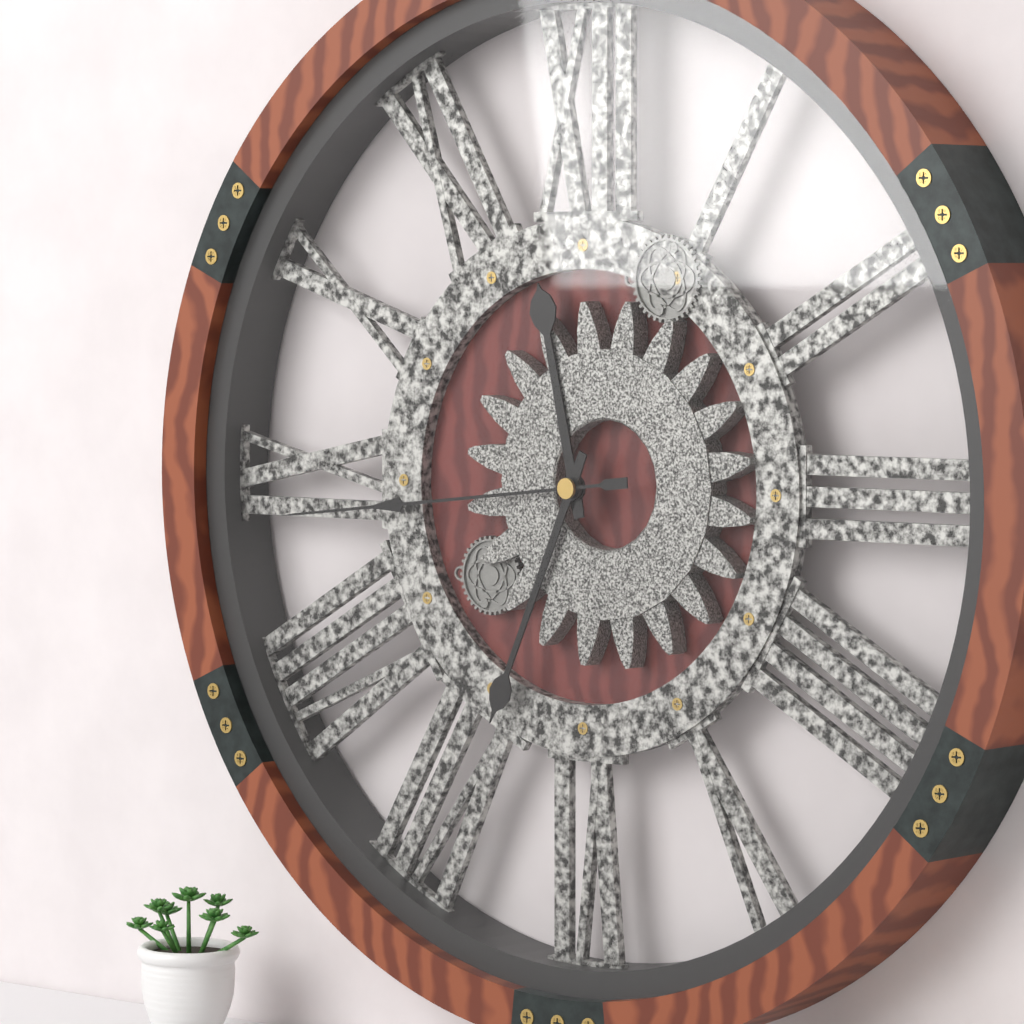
11:34:44
